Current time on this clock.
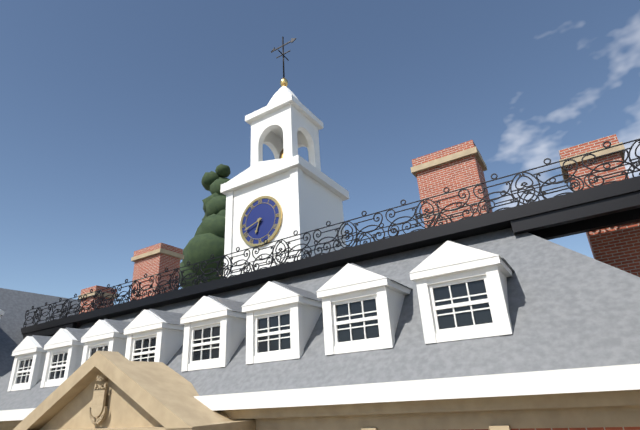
6:42
